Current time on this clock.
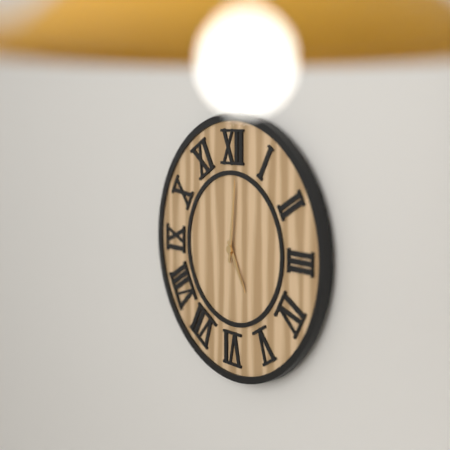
5:01
